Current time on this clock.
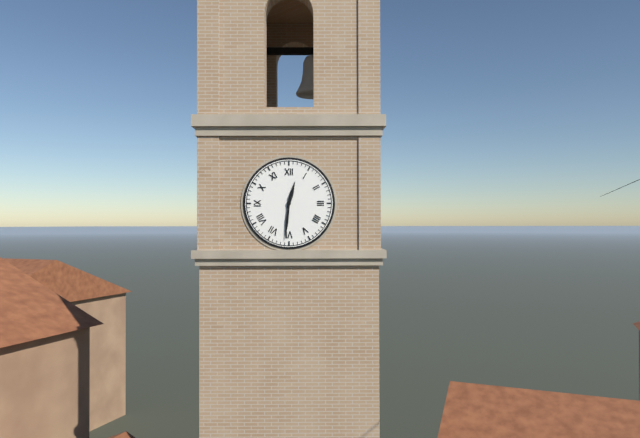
12:31
